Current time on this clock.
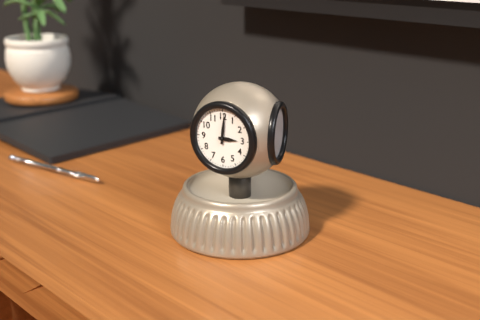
3:01
